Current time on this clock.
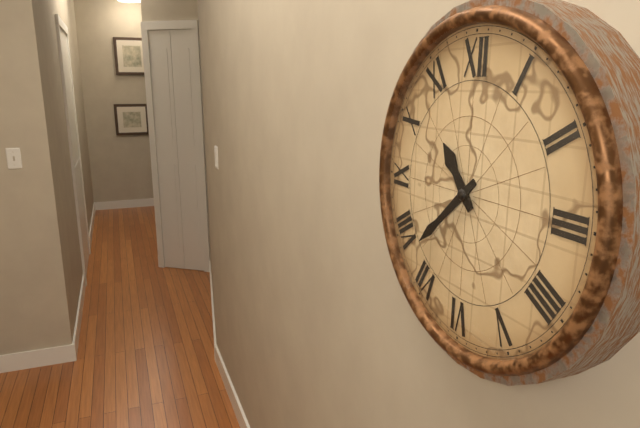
10:38
